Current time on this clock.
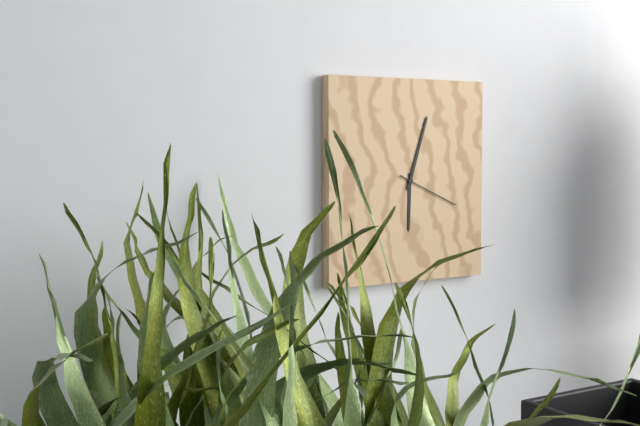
6:03:19
